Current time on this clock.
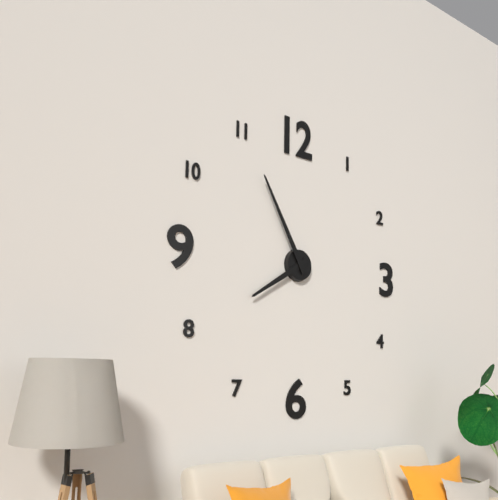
7:55
